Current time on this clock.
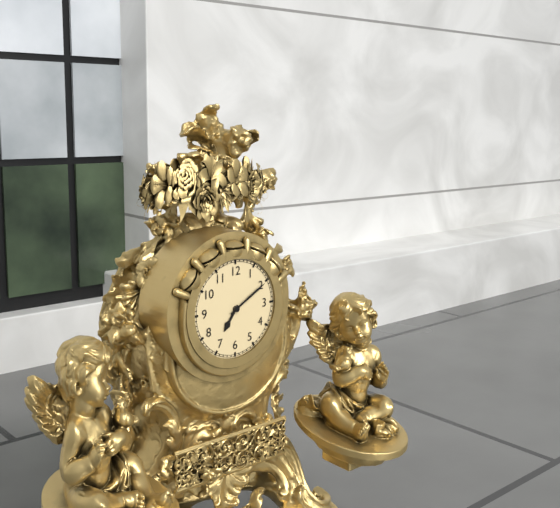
7:10
